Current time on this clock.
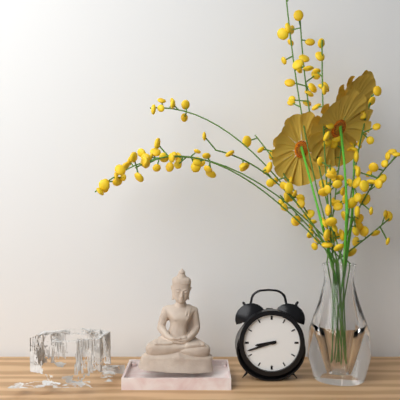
8:42
